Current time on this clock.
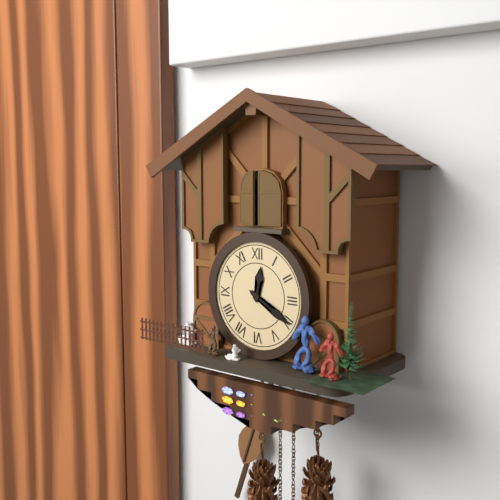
12:20
